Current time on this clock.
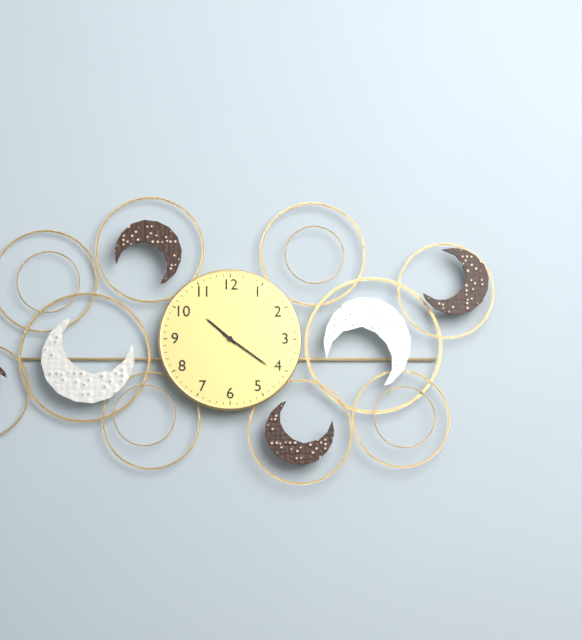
10:21
